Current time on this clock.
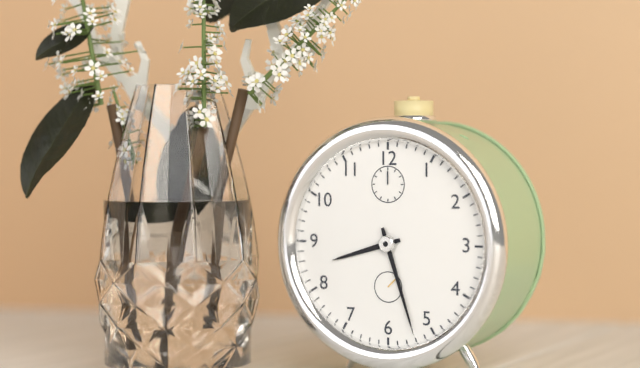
8:27
